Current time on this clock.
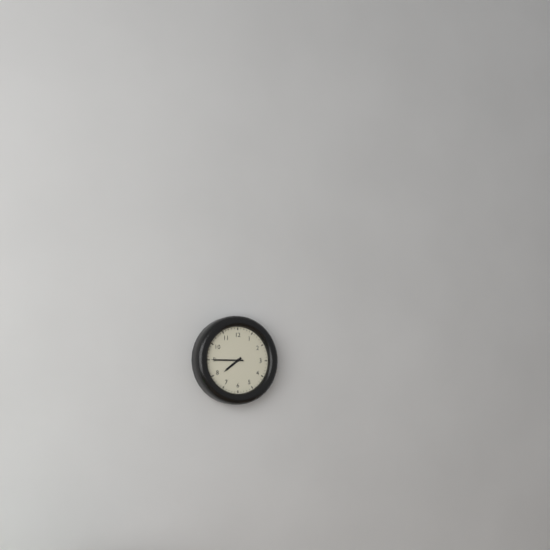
7:45
